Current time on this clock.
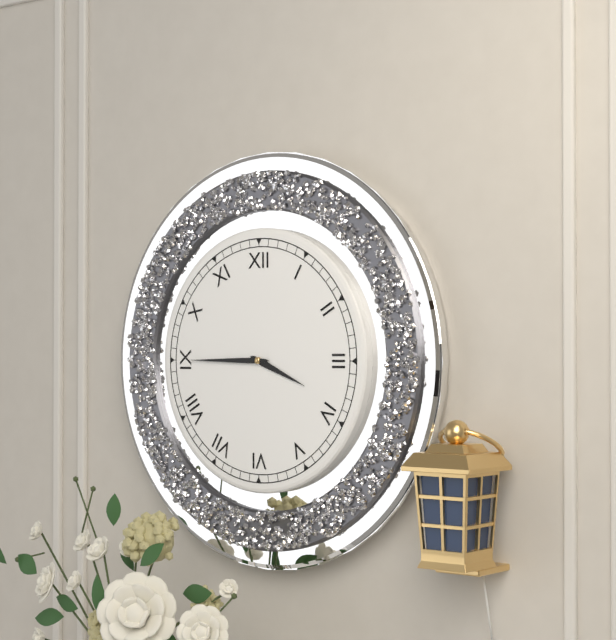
3:45
